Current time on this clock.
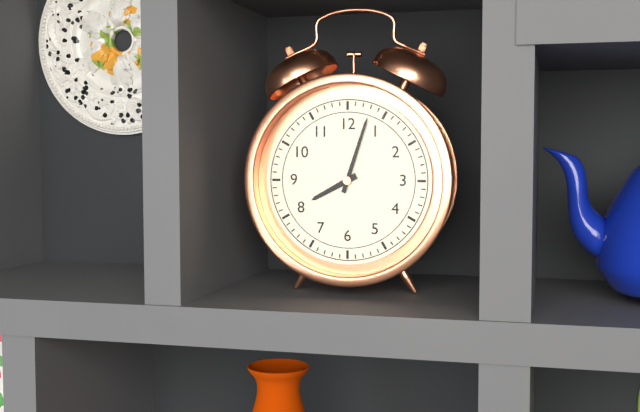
8:03
